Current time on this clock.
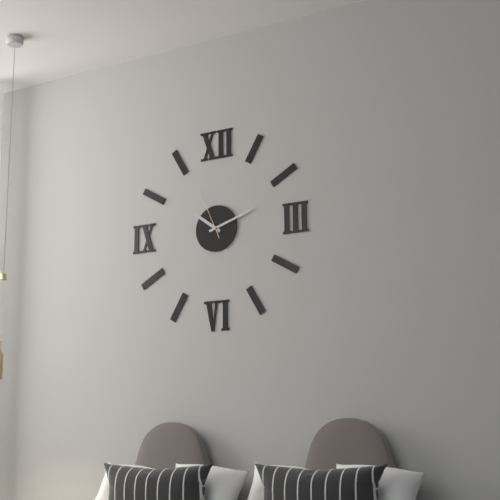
10:12:56
